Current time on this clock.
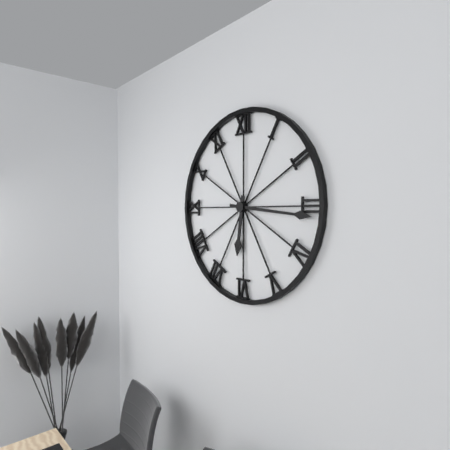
6:16
